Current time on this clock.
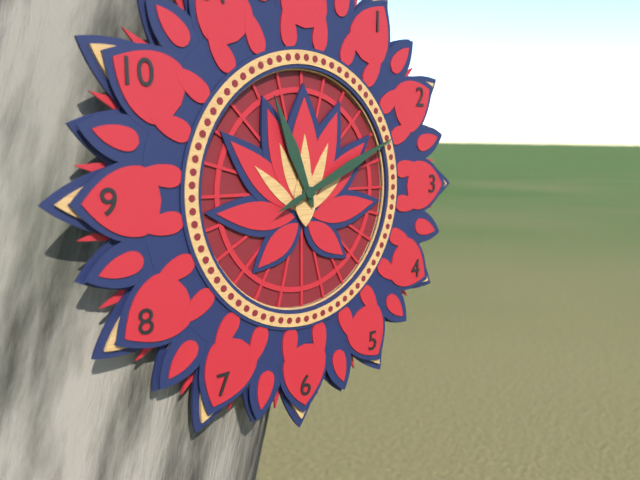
11:11
